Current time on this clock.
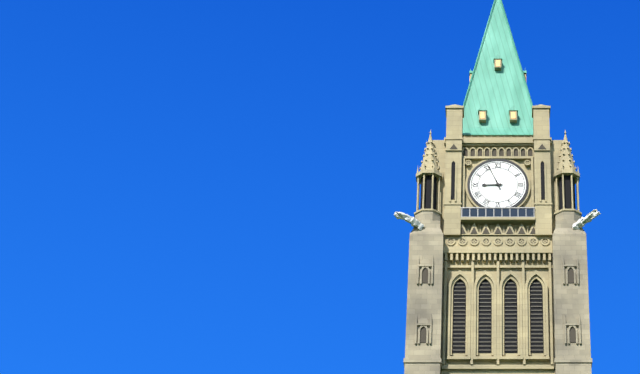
8:56
